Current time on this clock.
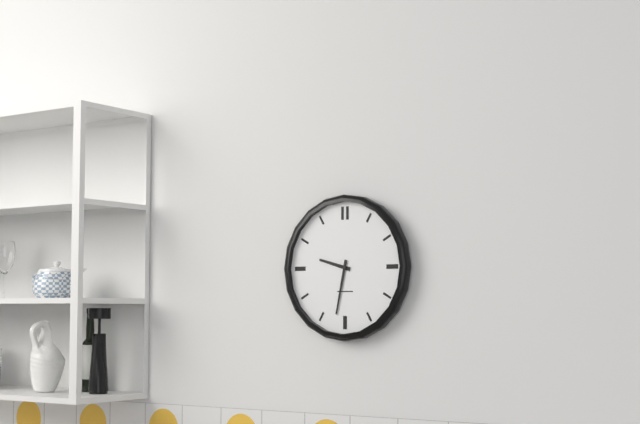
9:32
